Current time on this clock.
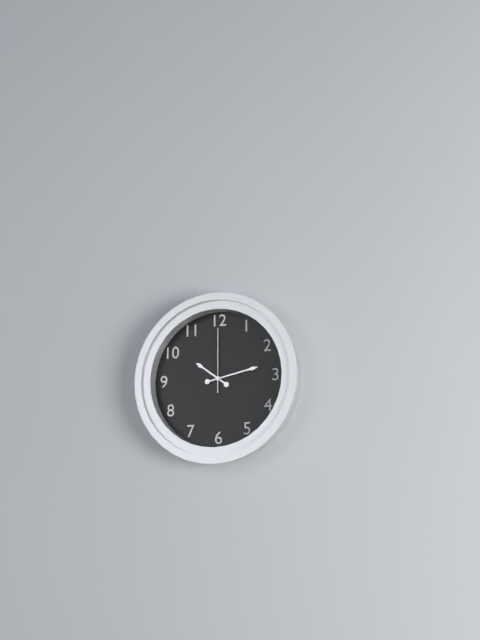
10:13:00
